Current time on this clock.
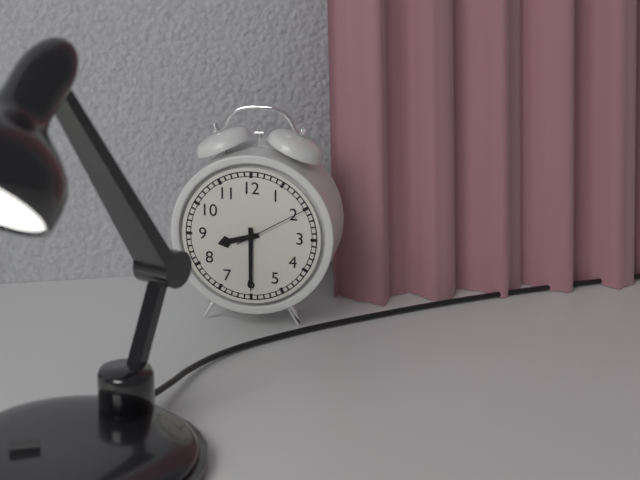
8:30:10
